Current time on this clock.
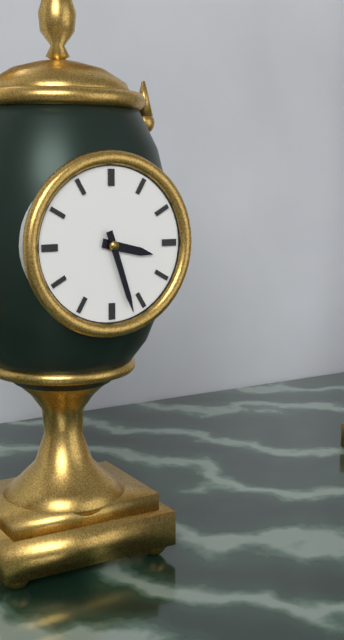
3:27
